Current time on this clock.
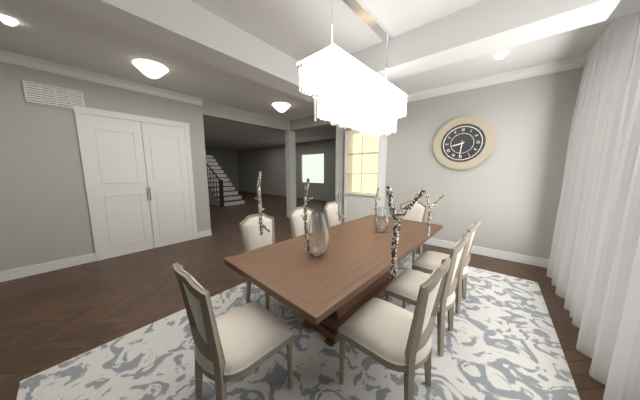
8:31
